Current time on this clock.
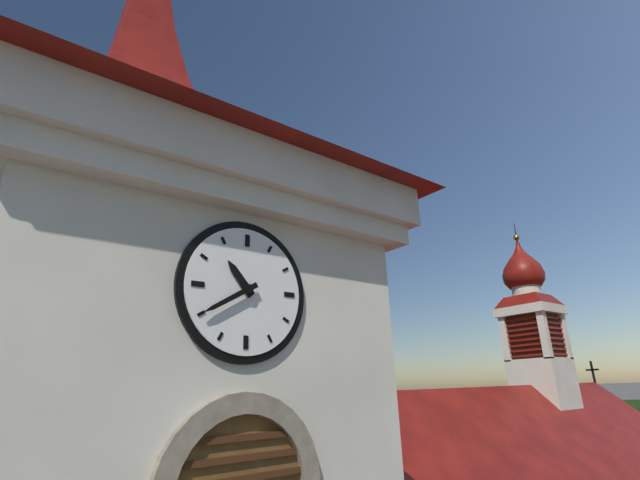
10:40
